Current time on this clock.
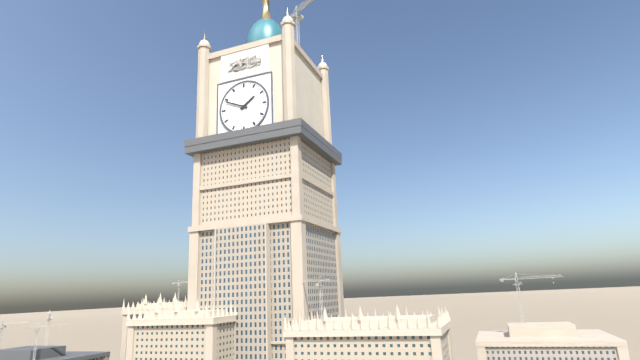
1:49
